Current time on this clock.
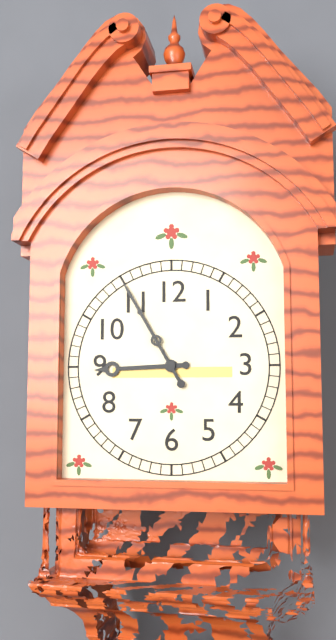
8:55
